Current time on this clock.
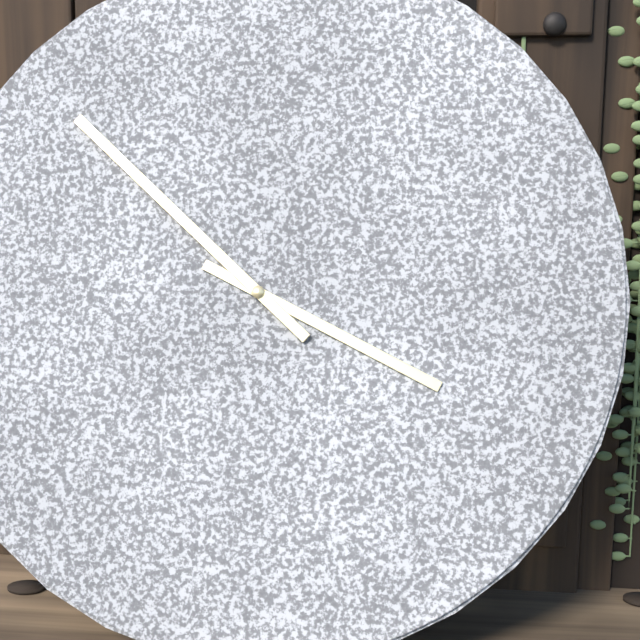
3:52
